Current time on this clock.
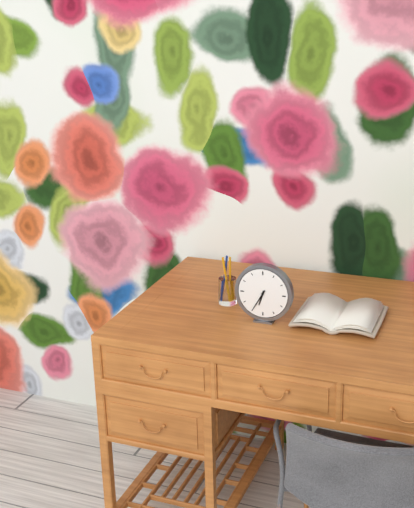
6:35
